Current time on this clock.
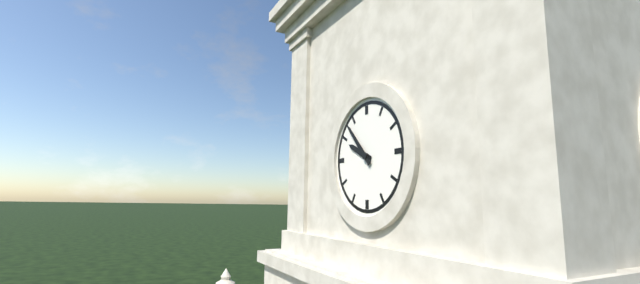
9:53
